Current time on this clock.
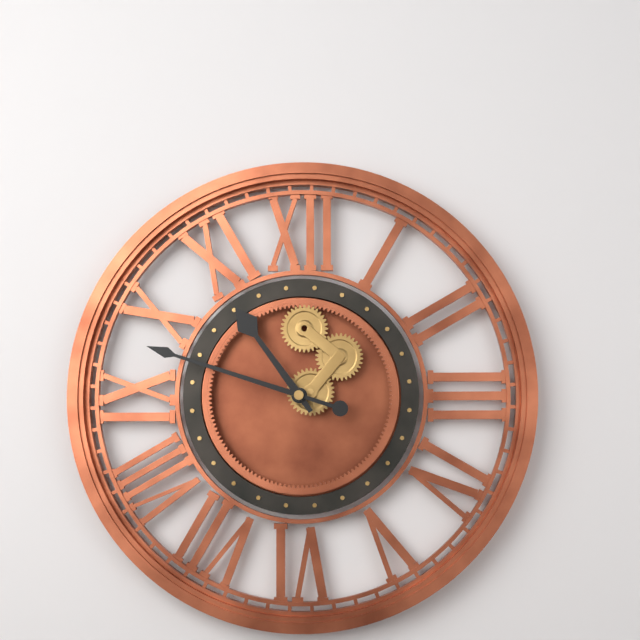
10:48
